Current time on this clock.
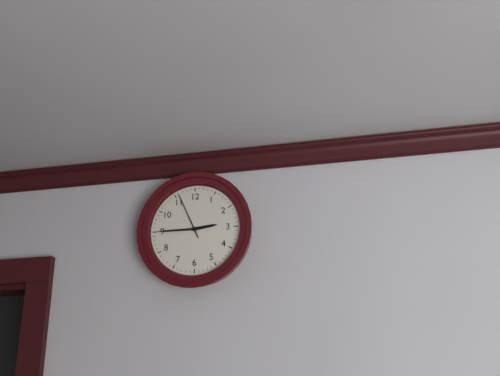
2:45
